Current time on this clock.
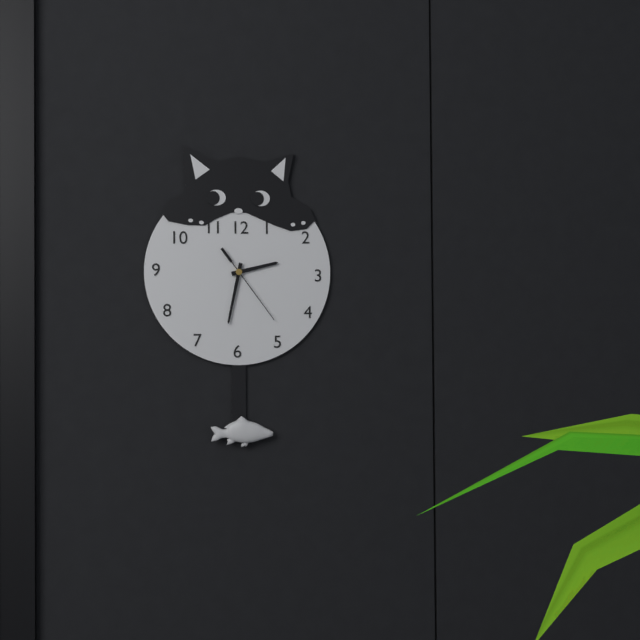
2:32:24
